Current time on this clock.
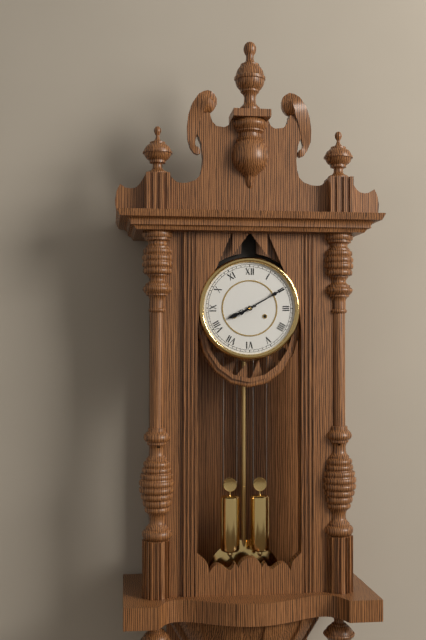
8:10
